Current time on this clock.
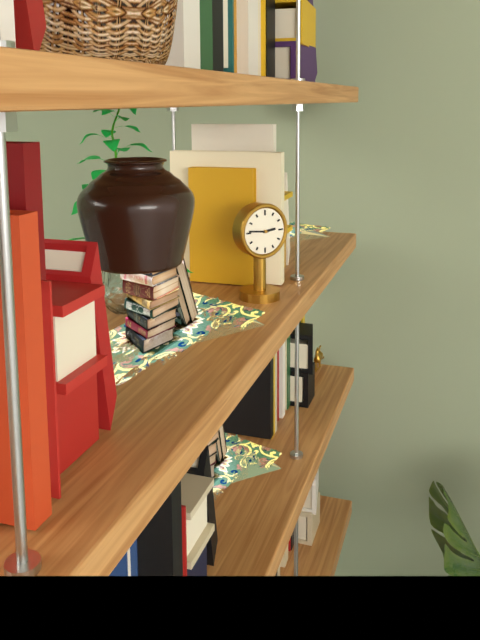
2:46
